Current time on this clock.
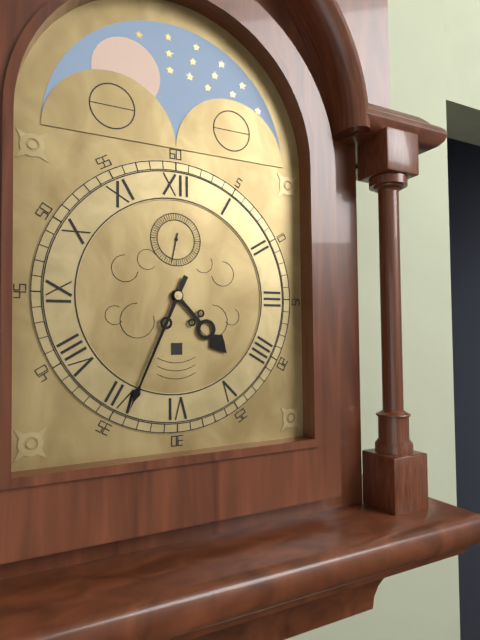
4:34
